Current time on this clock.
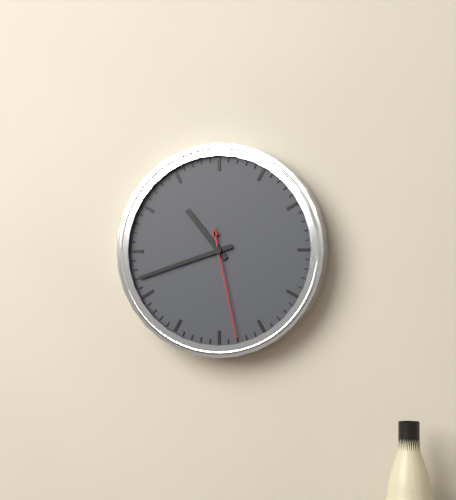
10:42:28
